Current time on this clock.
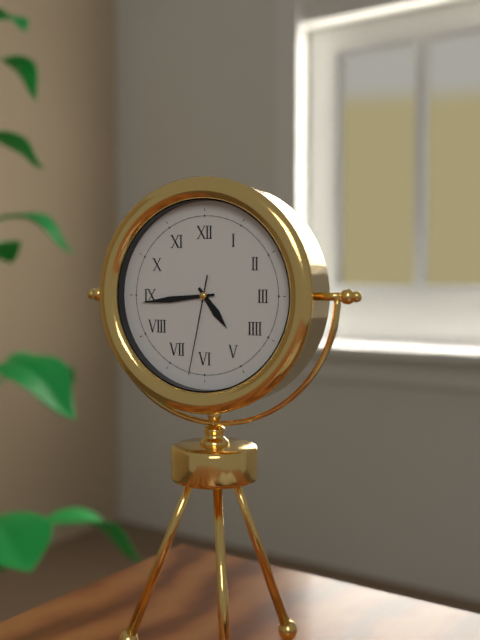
4:44:32
